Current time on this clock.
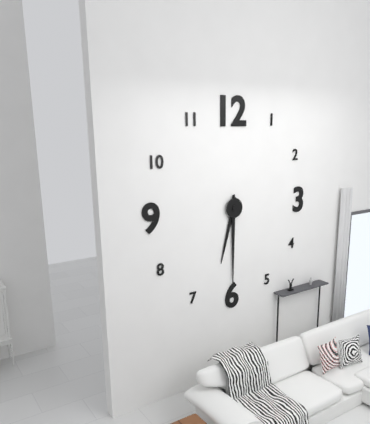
6:30
